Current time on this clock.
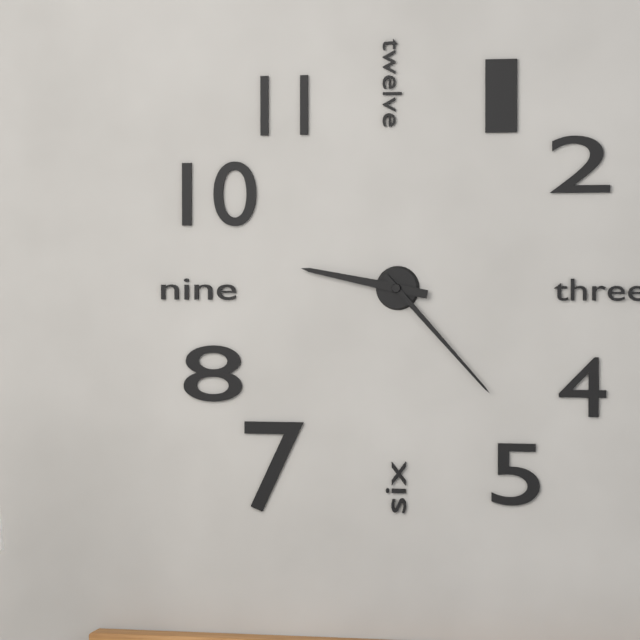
9:23
